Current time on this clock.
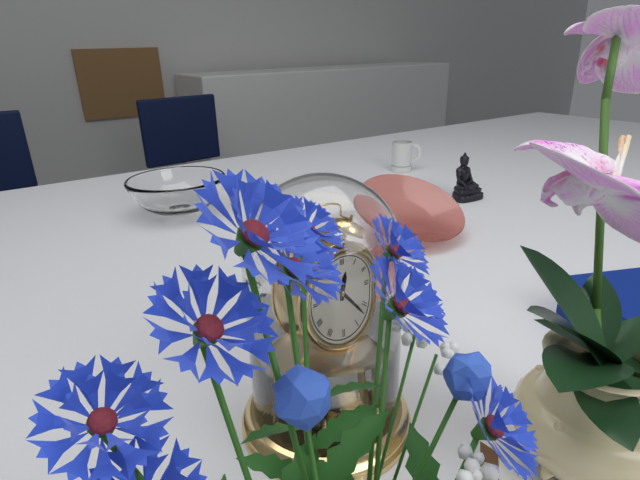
12:22
